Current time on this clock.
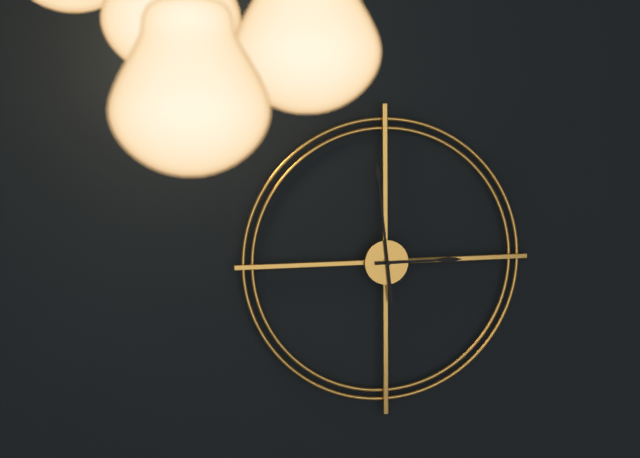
2:59
